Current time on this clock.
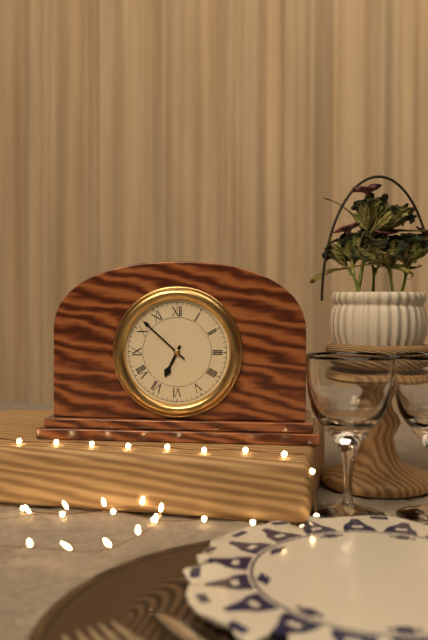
6:52
